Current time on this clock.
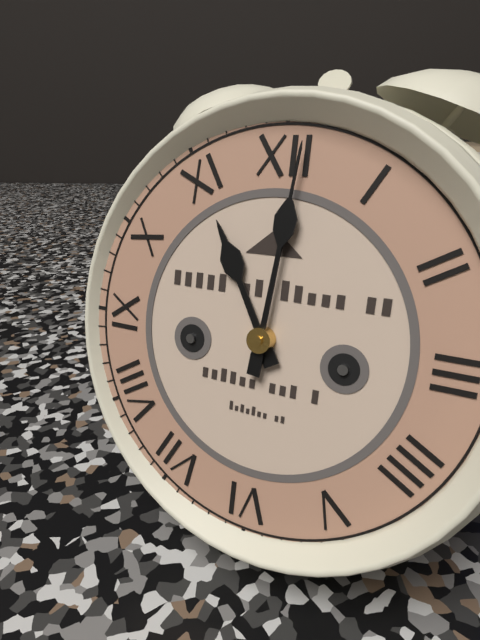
11:01
